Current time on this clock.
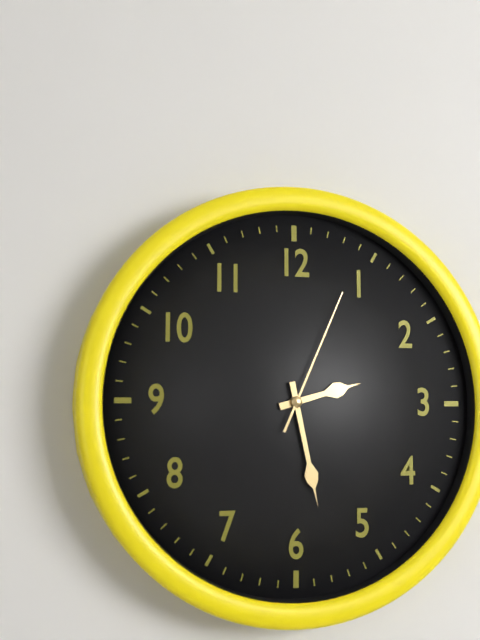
2:28:04
